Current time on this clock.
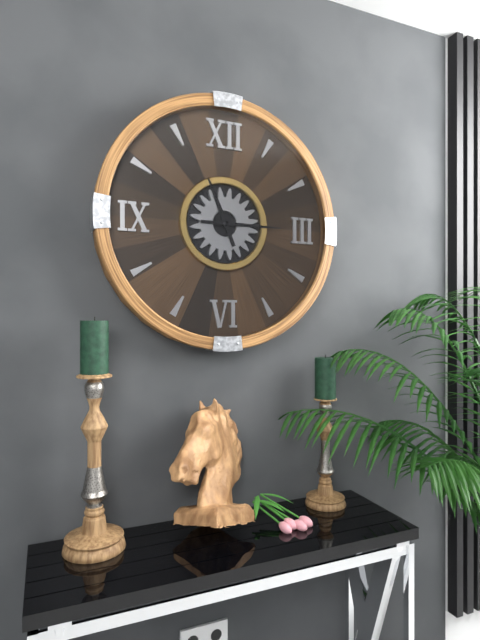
11:15
